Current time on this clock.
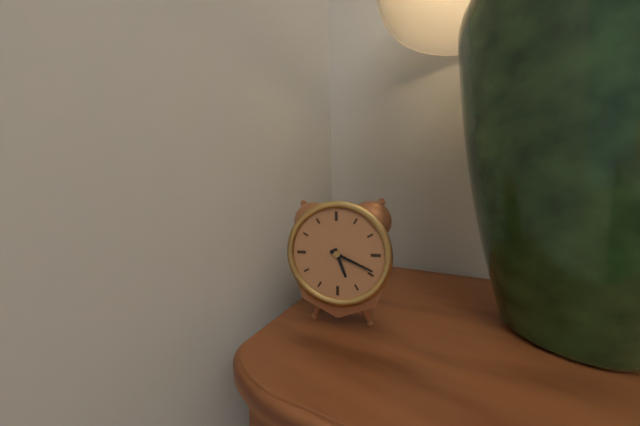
5:19
